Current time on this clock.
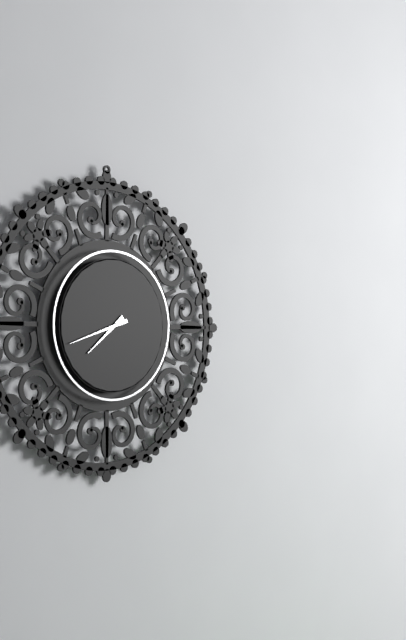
7:42
